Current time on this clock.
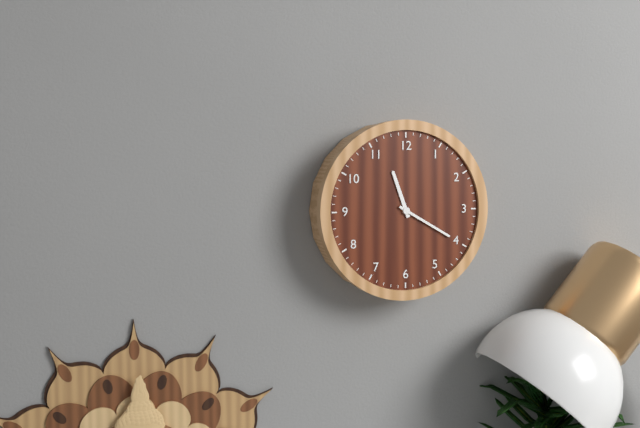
11:20
